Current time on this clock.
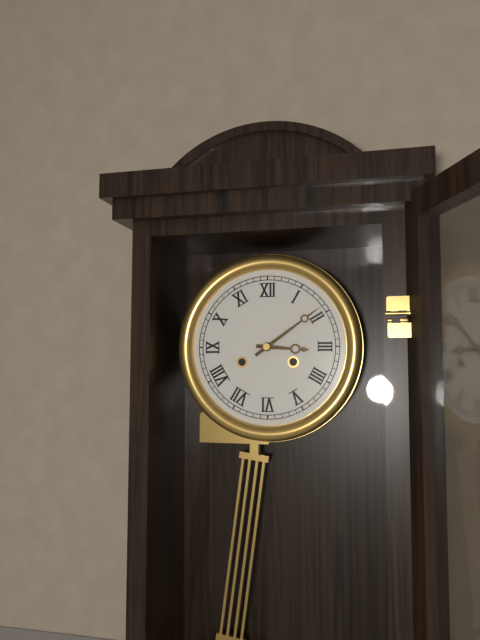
3:09
